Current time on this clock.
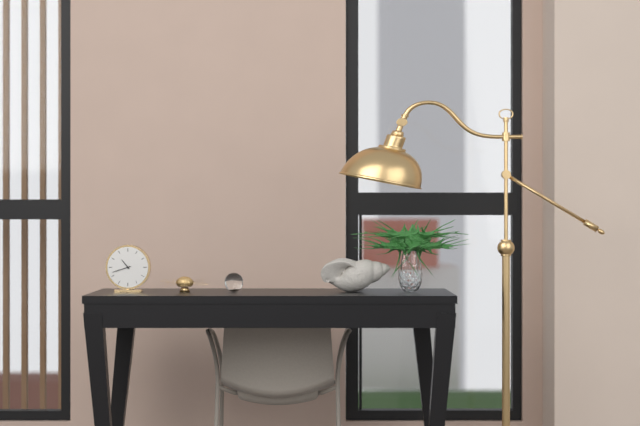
10:42
